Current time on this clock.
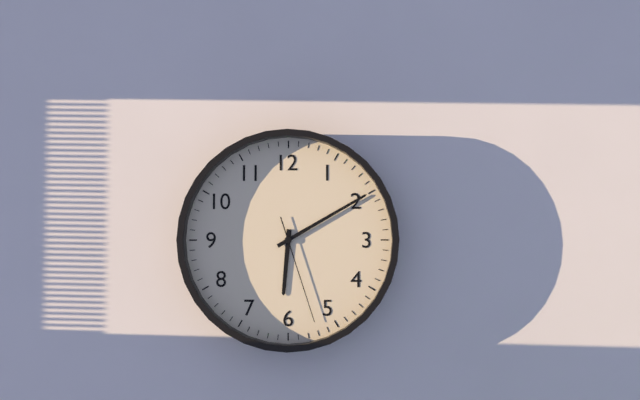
6:10:27
